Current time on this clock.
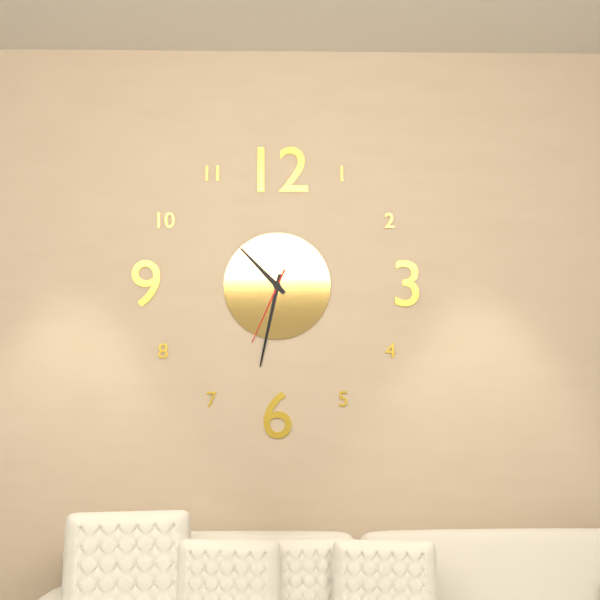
10:32:34
